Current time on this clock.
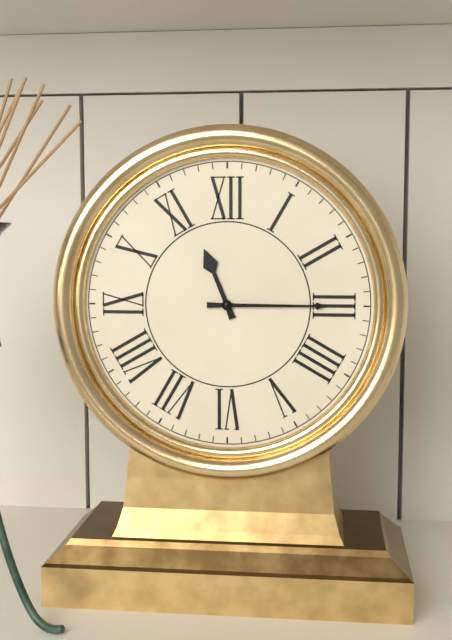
11:15
